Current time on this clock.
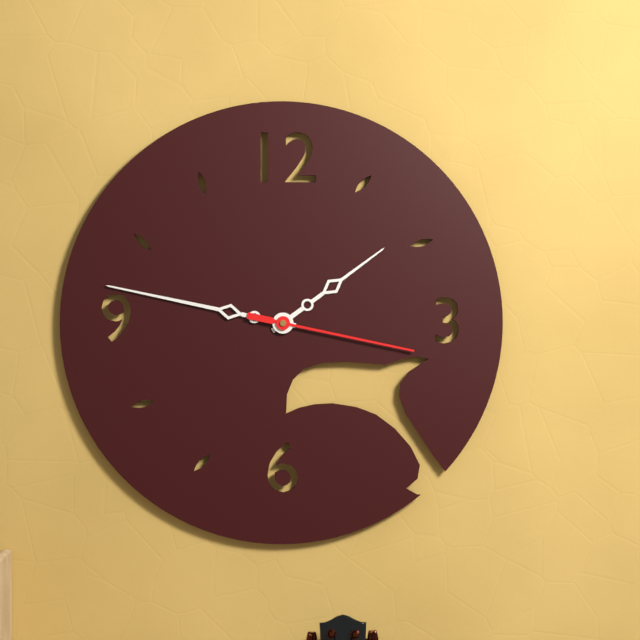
1:47:17
